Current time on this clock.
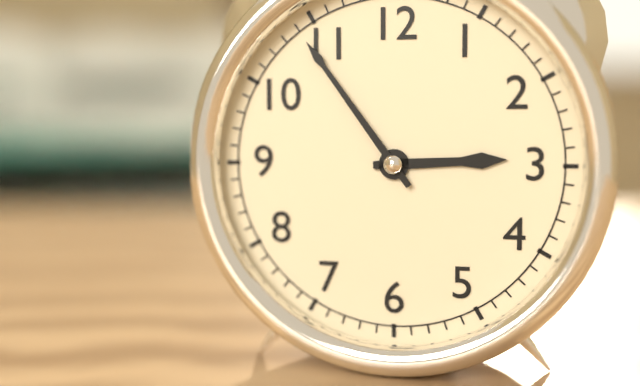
2:54
